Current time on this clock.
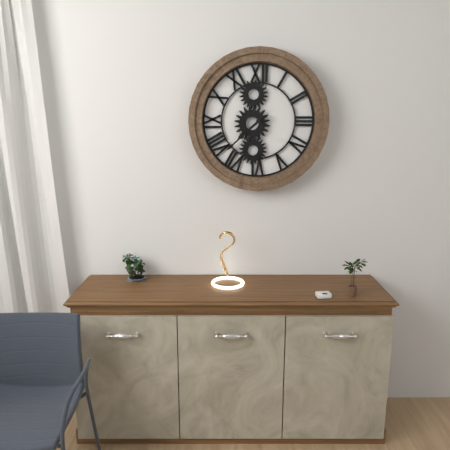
7:38
